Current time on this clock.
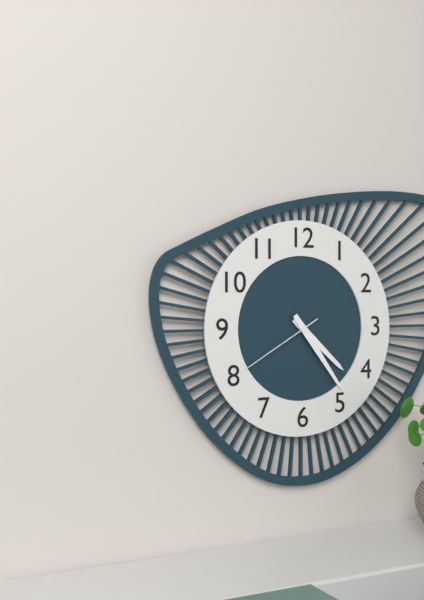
4:24:40
